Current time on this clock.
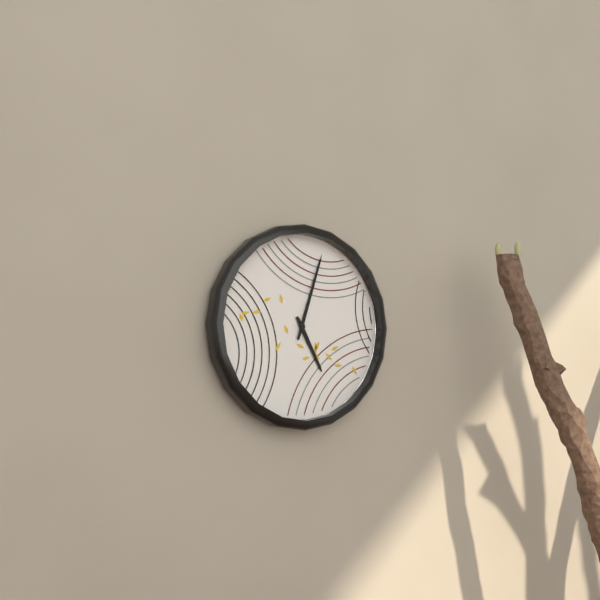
5:03
